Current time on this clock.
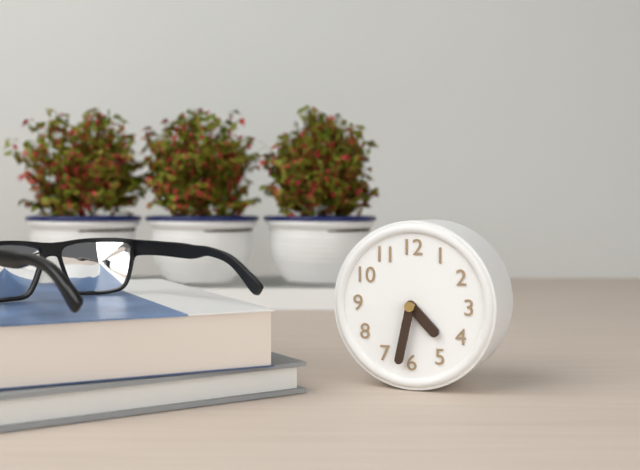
4:32
